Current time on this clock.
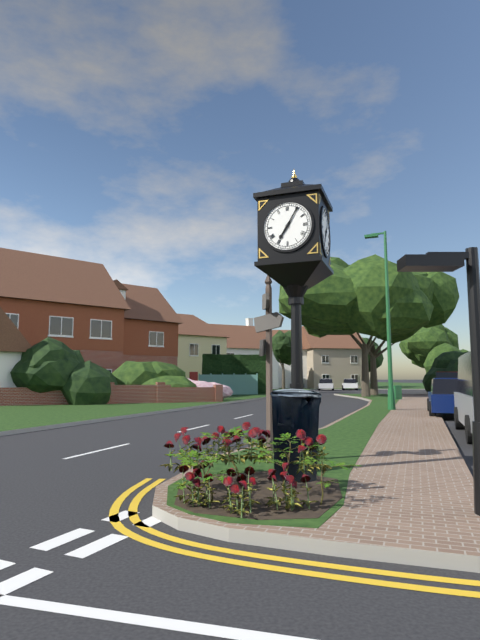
7:05
